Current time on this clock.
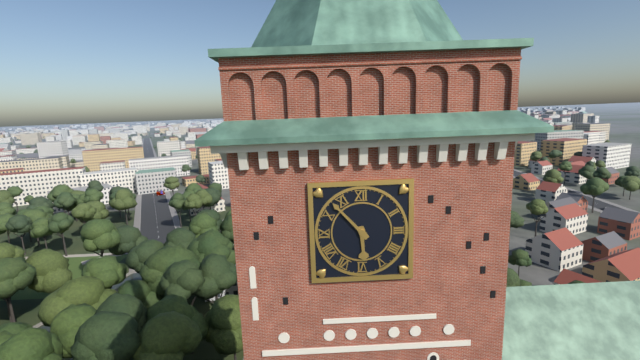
5:53
